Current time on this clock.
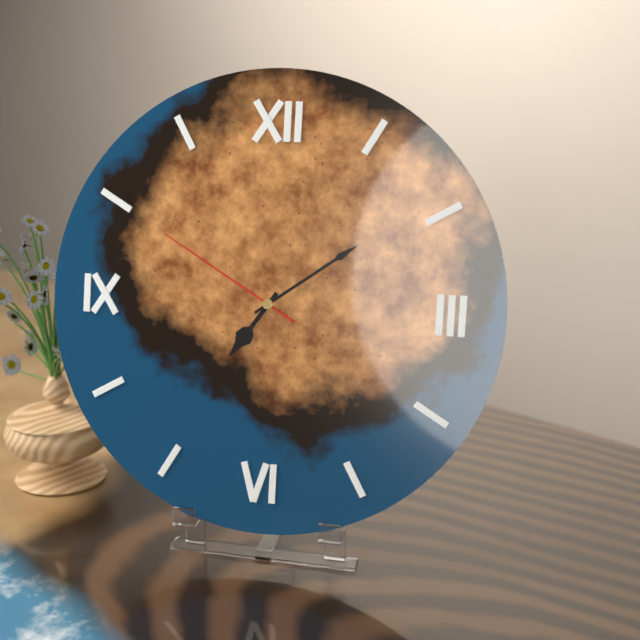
7:09:50
